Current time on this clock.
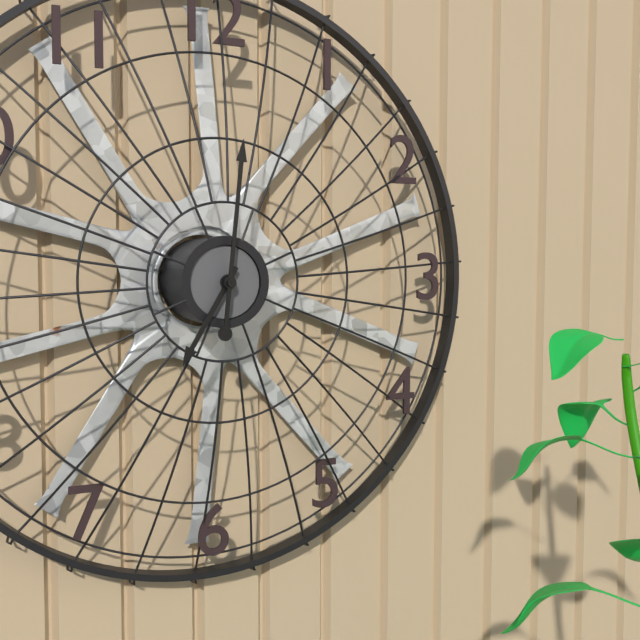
7:01
